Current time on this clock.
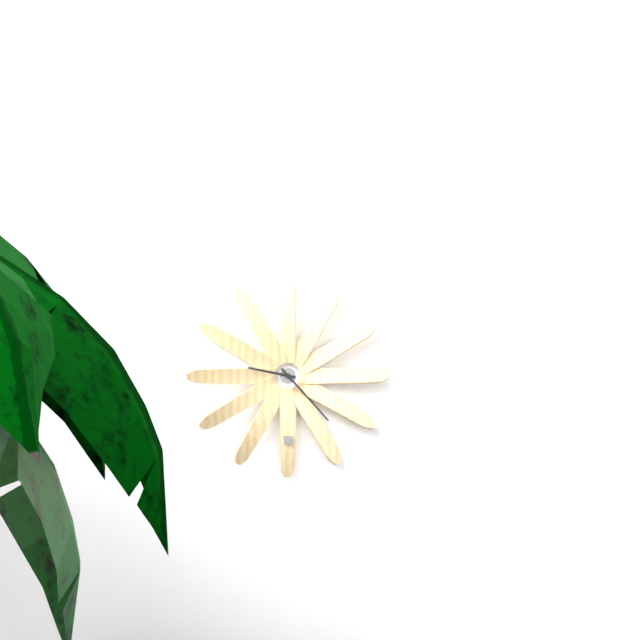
9:23
